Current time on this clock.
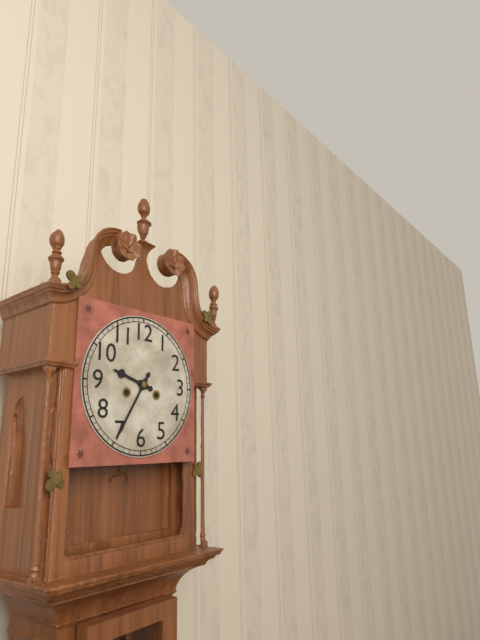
9:35
